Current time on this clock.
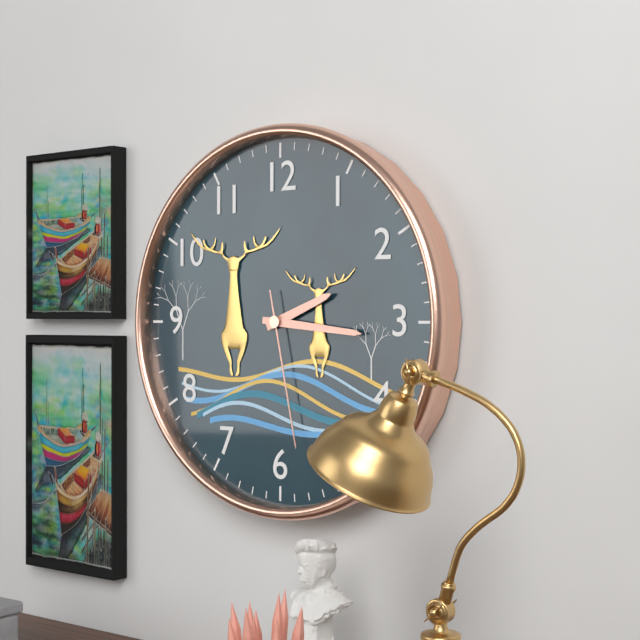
2:16:28
